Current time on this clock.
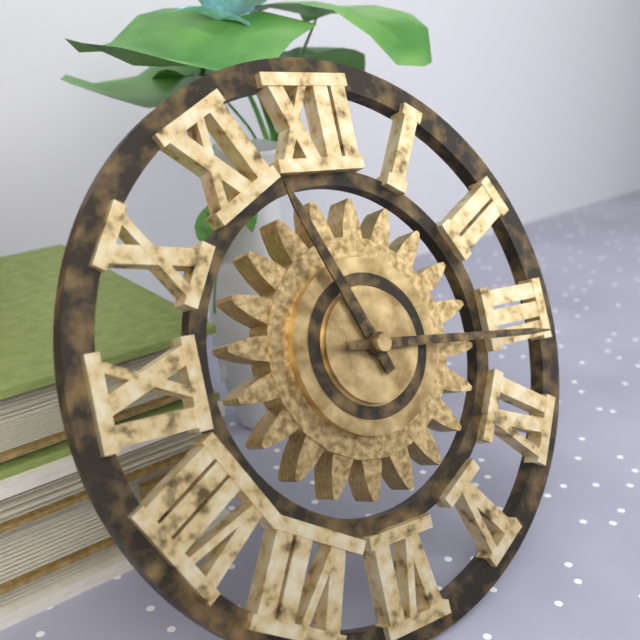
11:16
